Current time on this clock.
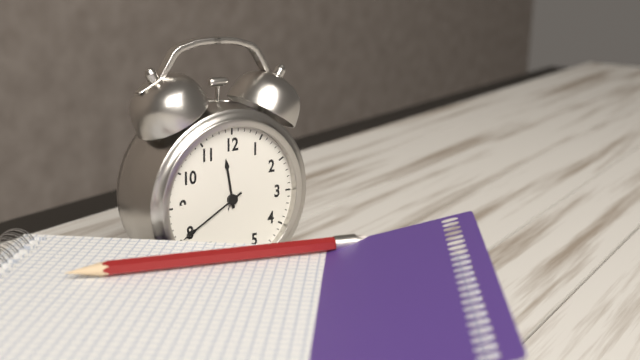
11:40
